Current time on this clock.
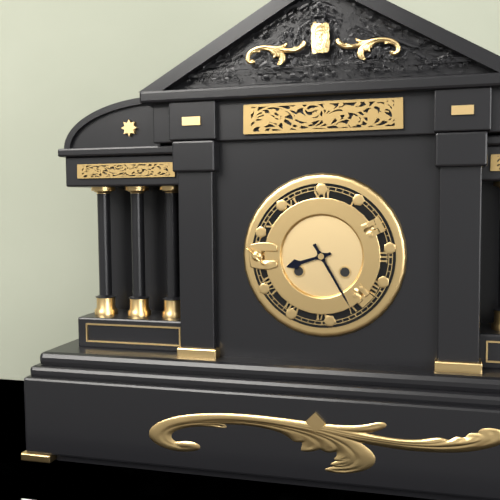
8:25
